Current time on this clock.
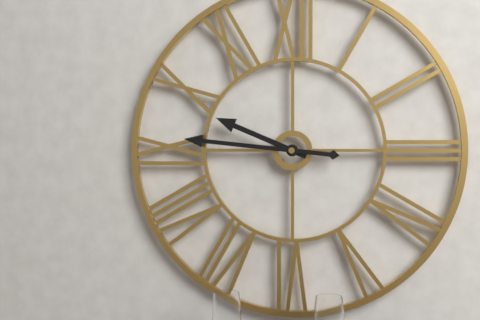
9:46
